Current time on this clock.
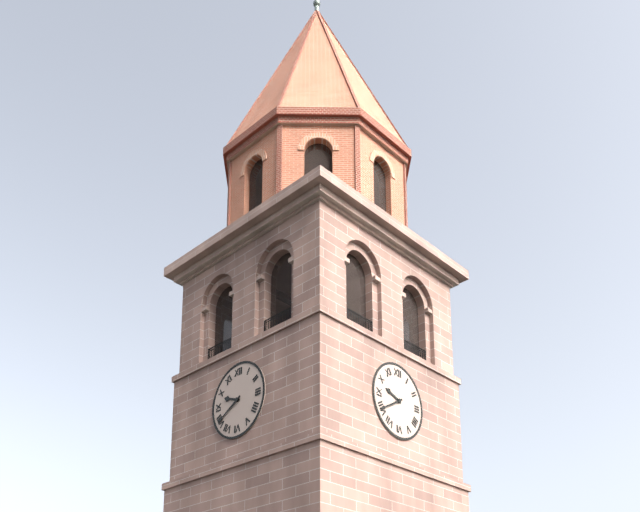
9:40
